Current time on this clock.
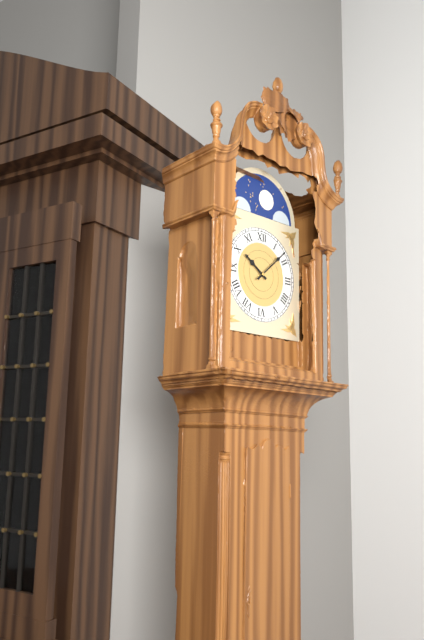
10:08
